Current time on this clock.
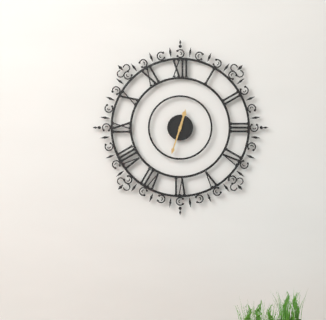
12:33
